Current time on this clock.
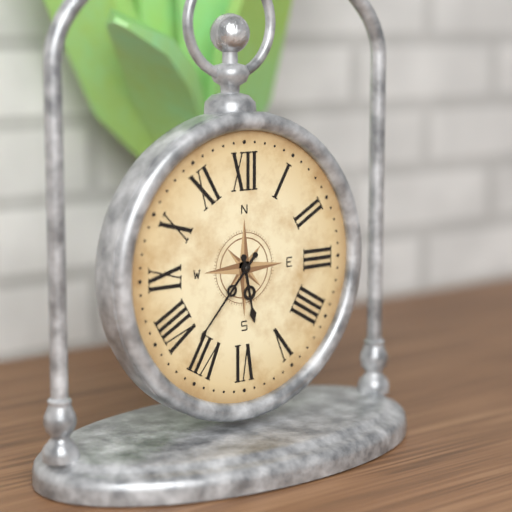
5:37
